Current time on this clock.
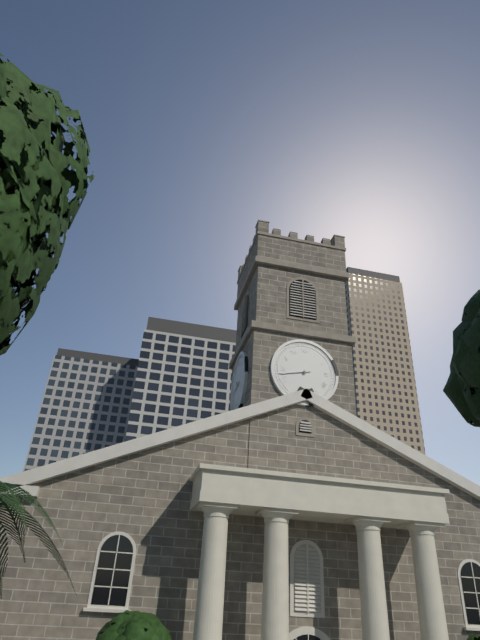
8:43
